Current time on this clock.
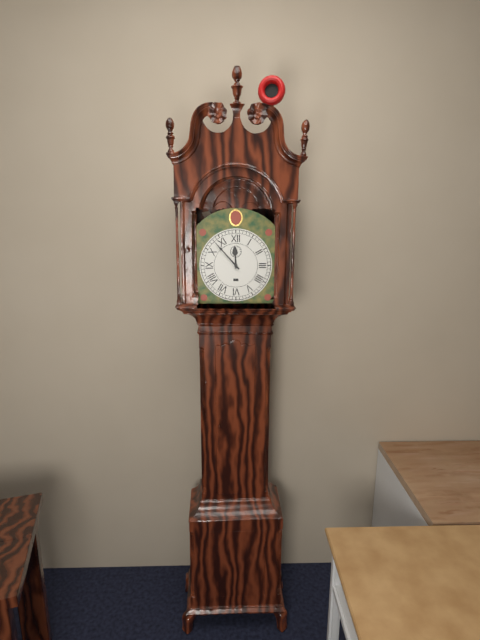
11:53
